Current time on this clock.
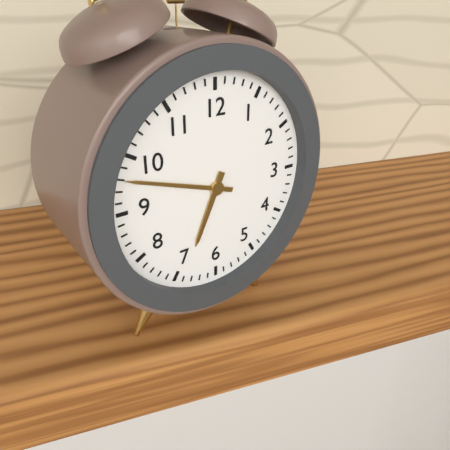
6:48
